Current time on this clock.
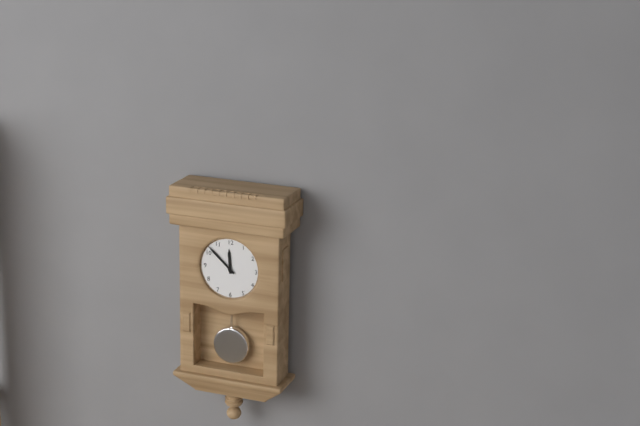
11:52
